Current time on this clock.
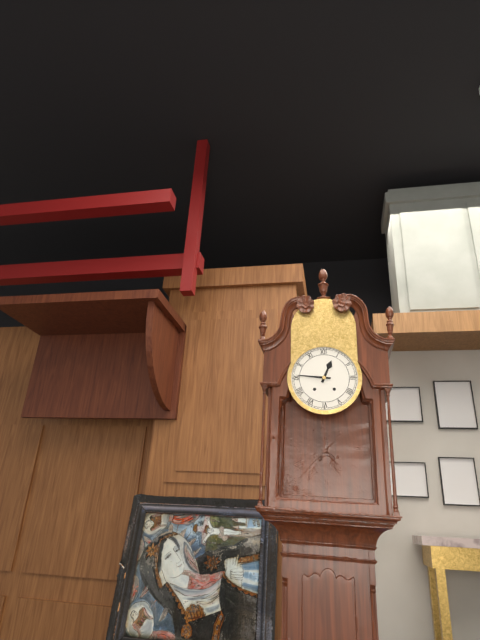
12:46
